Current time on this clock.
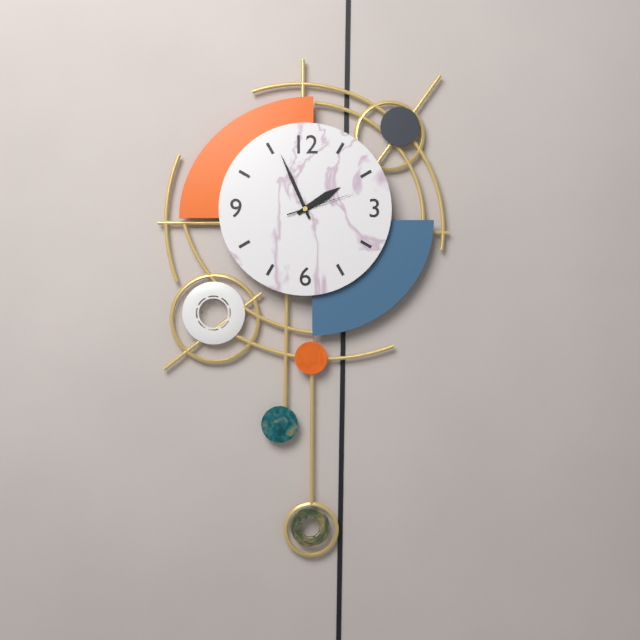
1:56:12
